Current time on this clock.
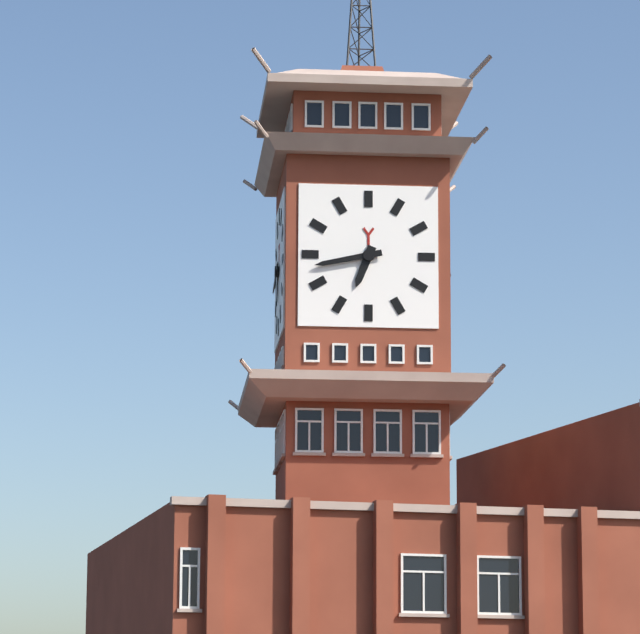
6:43
